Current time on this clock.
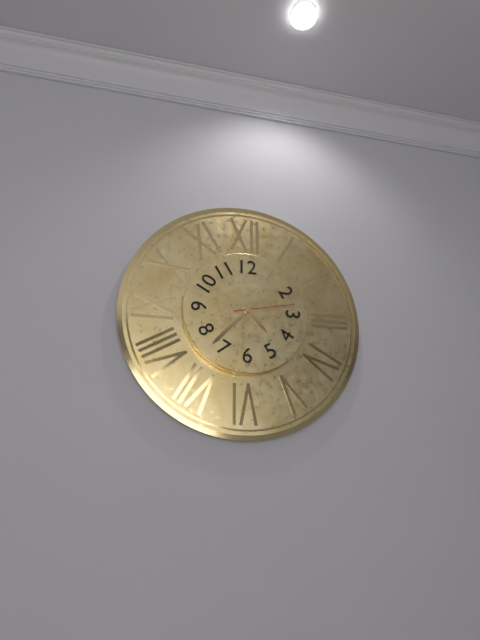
4:37:13
